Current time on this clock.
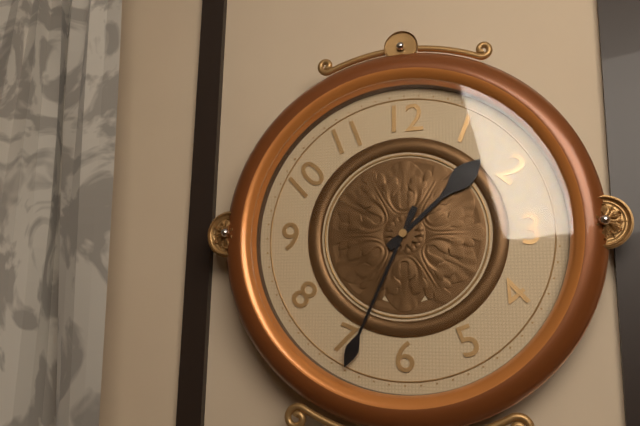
1:34
